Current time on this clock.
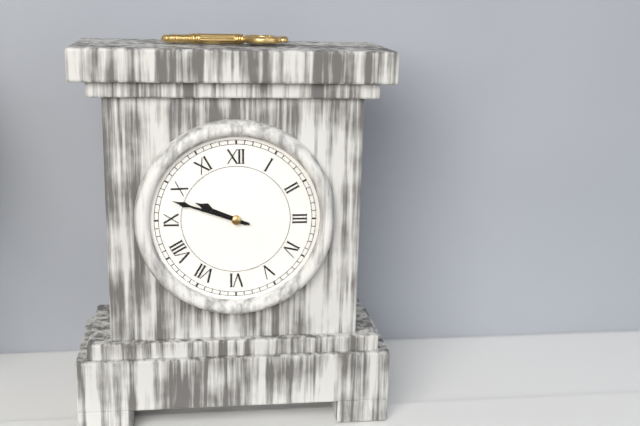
9:48
